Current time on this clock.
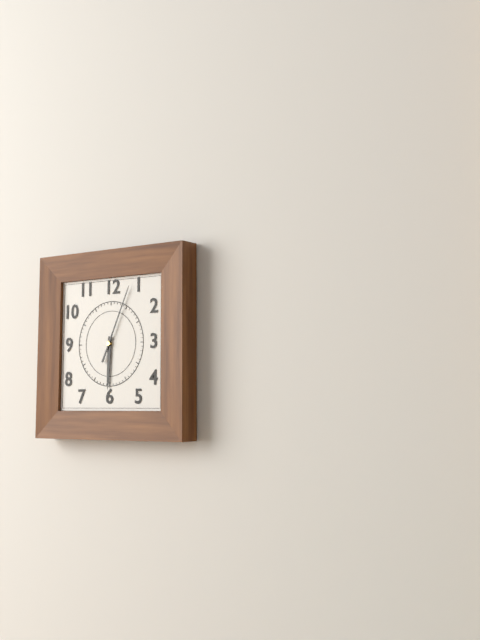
6:04
